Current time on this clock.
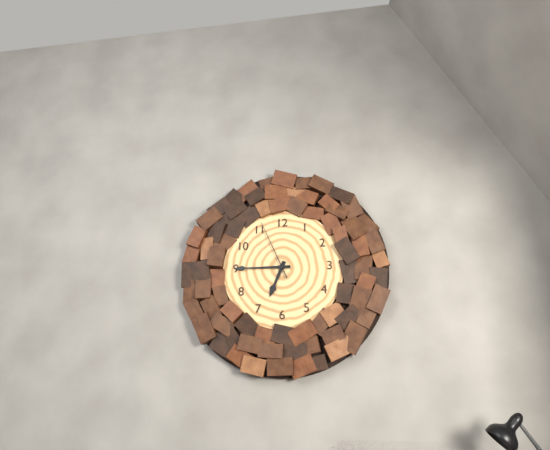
6:45:56
